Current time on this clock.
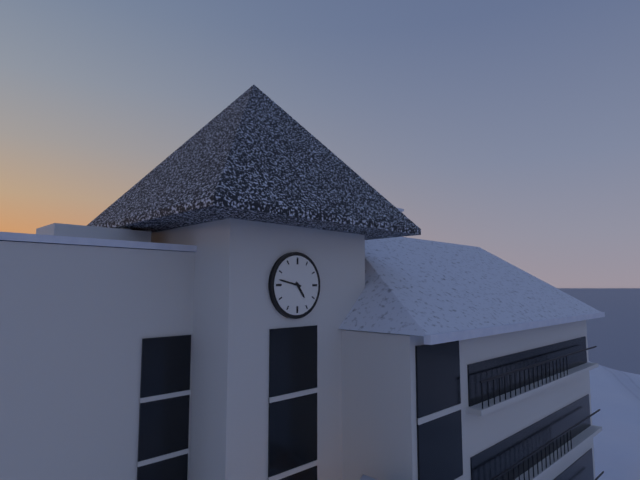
4:47
